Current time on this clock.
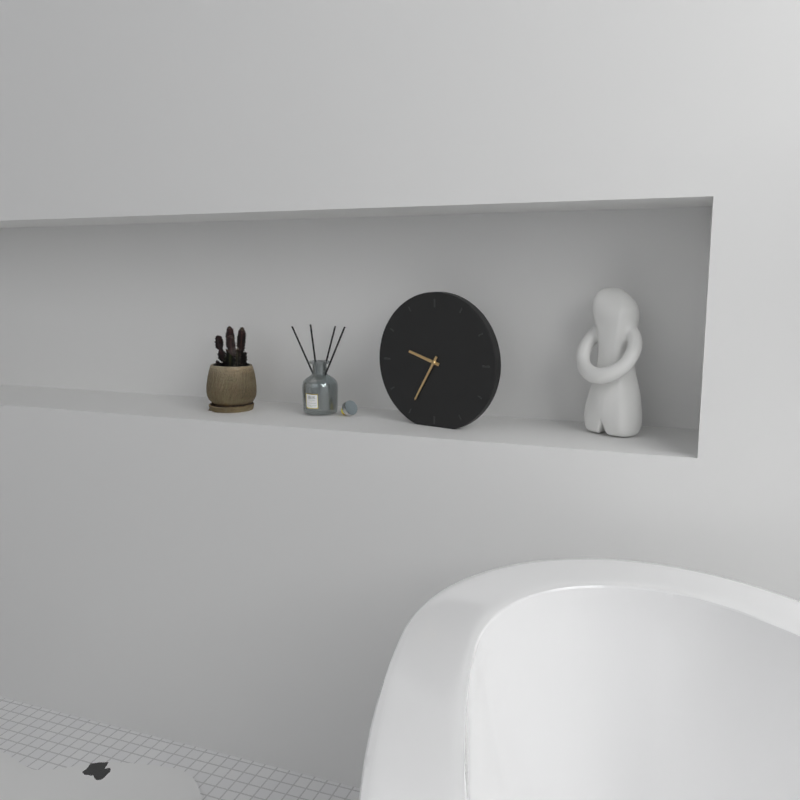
9:35
